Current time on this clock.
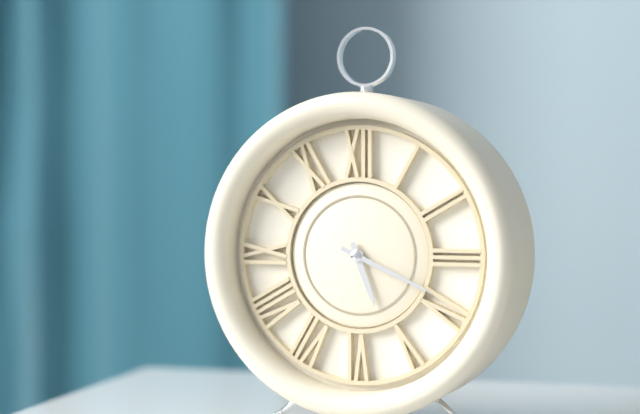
5:19
